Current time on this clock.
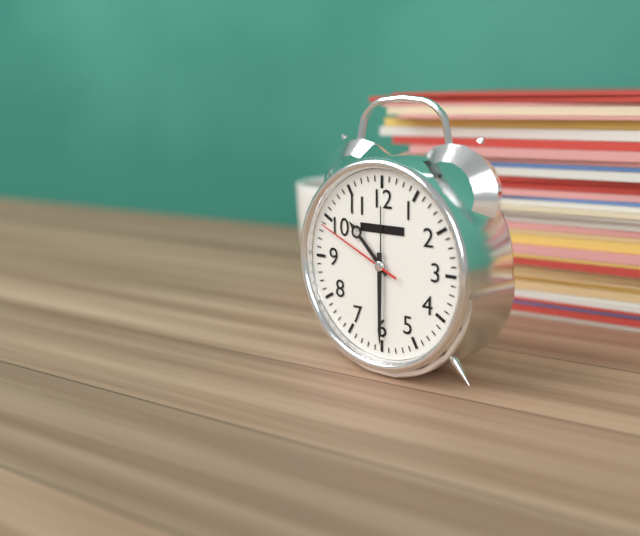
10:30:49
